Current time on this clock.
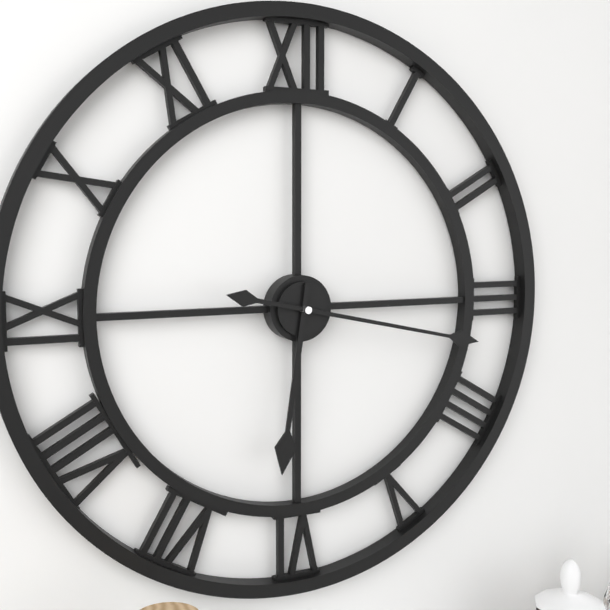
6:17
